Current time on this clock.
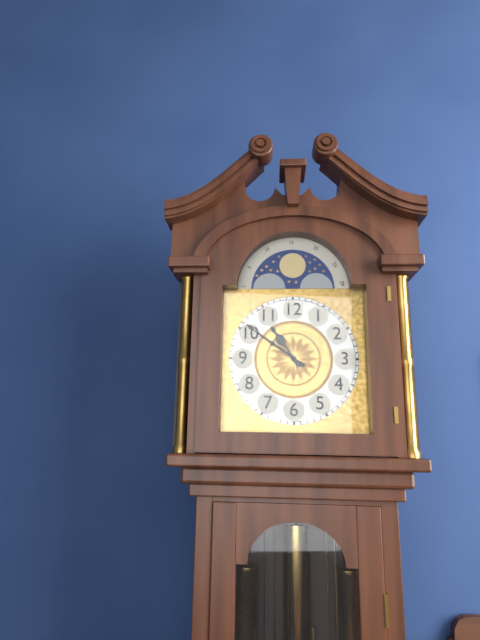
10:51
